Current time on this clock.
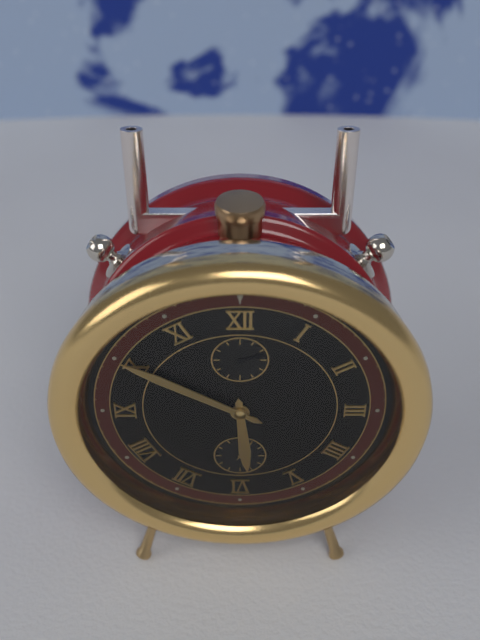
5:50
